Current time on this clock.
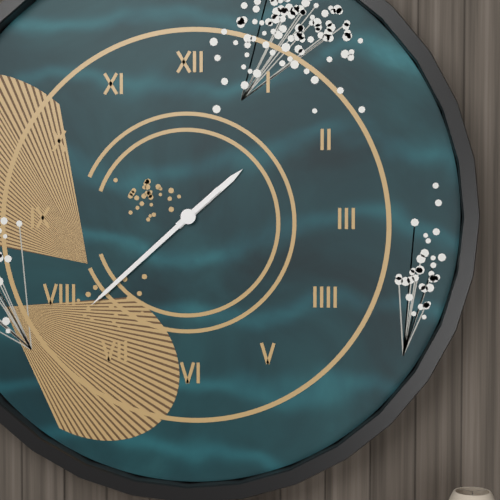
1:38
